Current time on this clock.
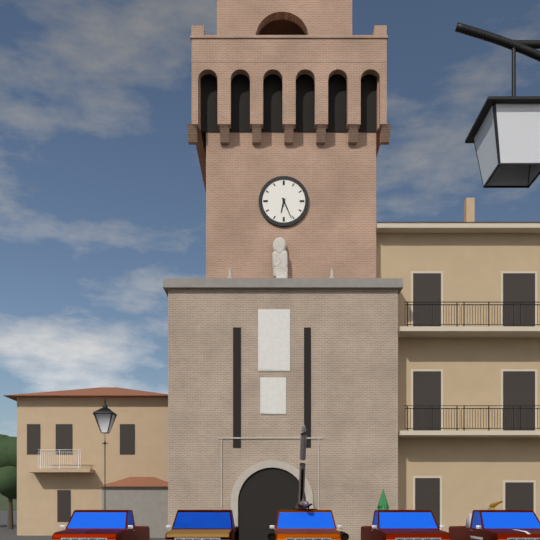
6:26
